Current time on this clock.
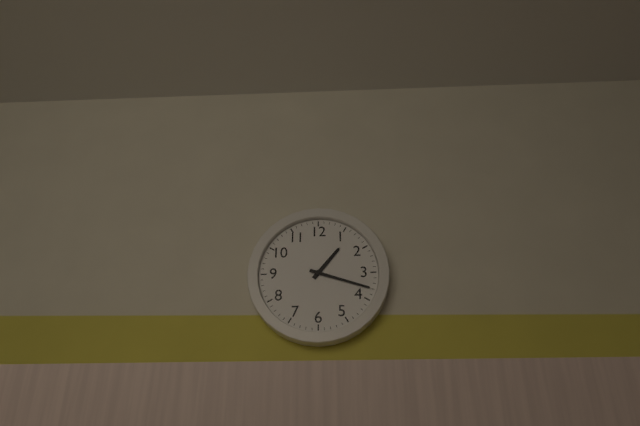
1:18
